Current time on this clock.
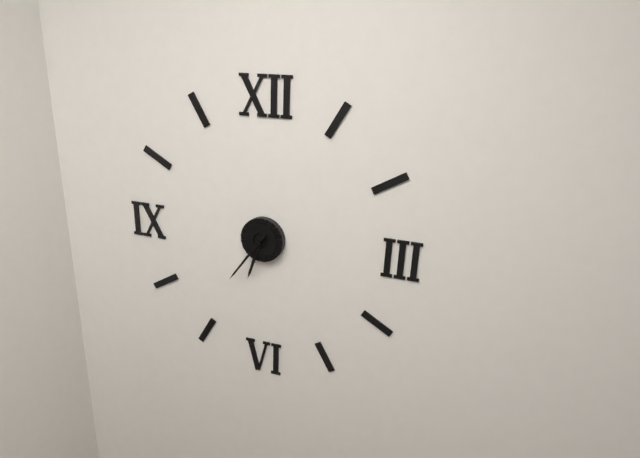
6:36
